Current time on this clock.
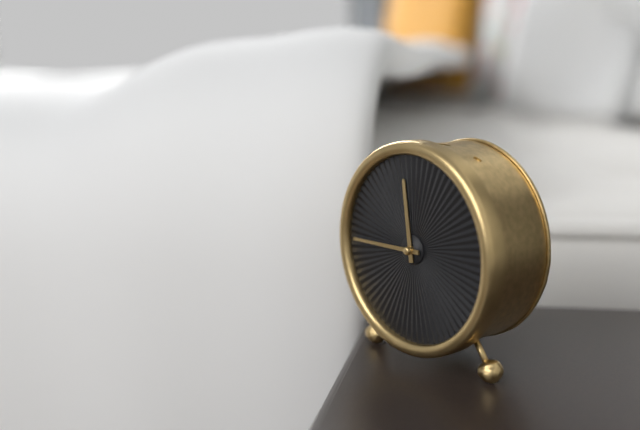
11:45
